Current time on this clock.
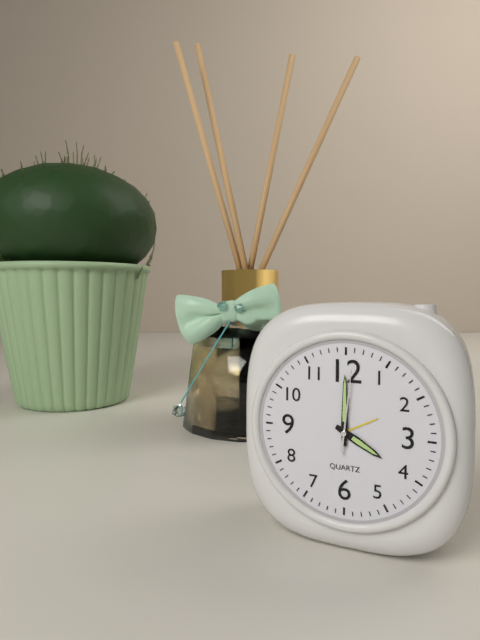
4:00:01
